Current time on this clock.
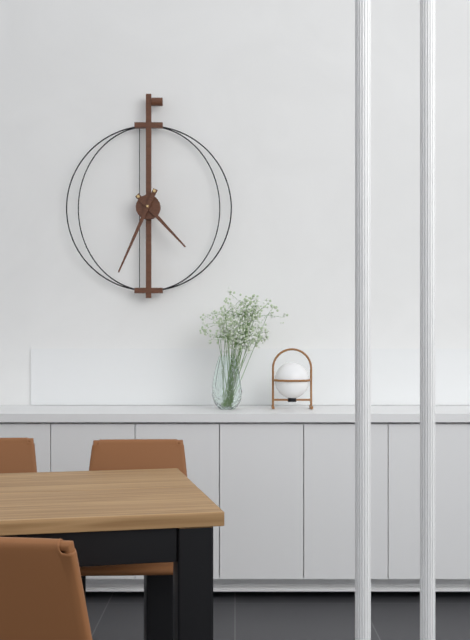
4:34
